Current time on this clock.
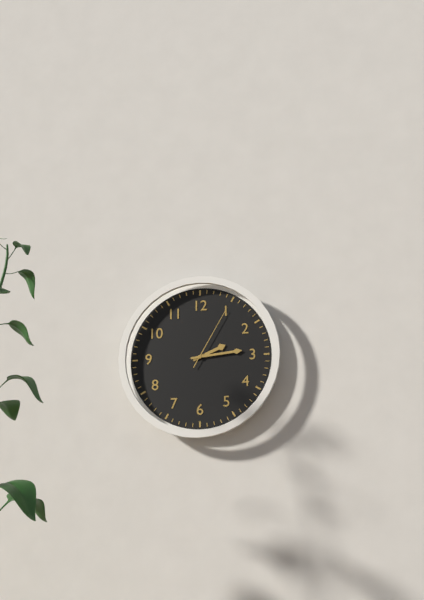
2:14:05
